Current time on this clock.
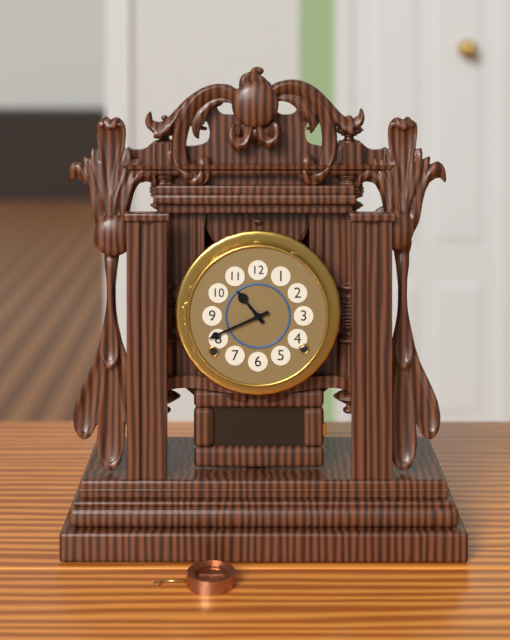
10:41
